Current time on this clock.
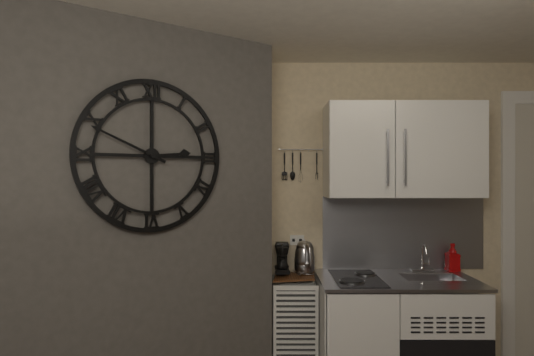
2:49
